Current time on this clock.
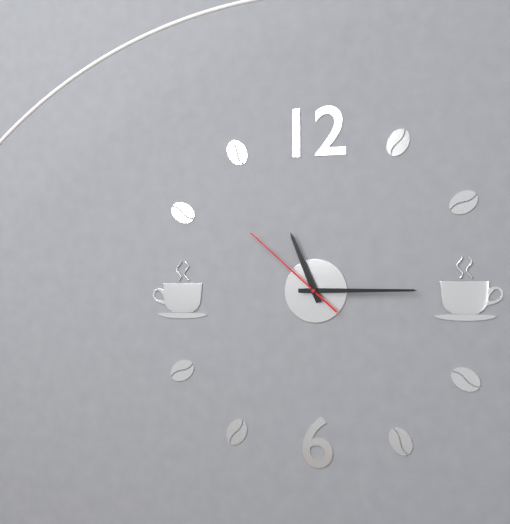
11:15:52
